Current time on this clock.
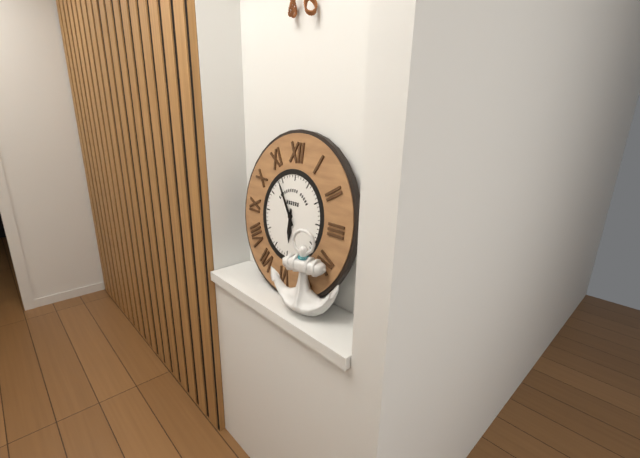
5:54
